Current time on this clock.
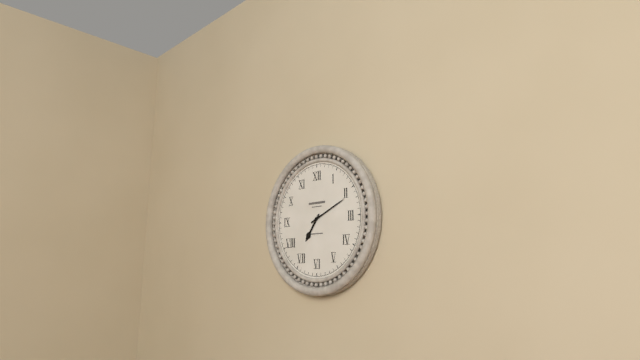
7:11
